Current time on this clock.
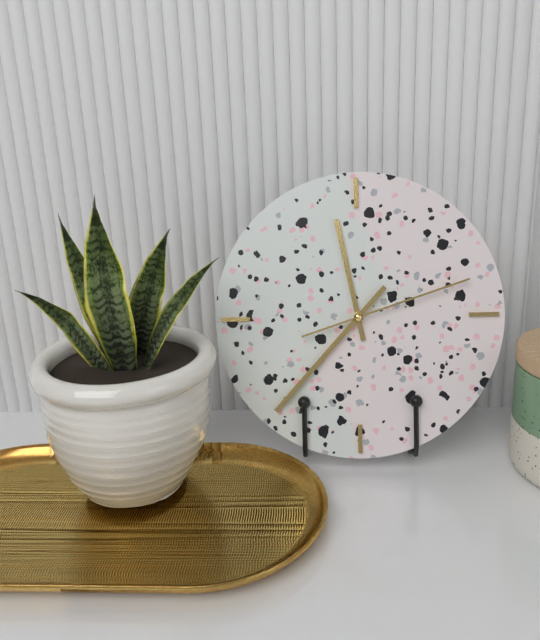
11:37:12
